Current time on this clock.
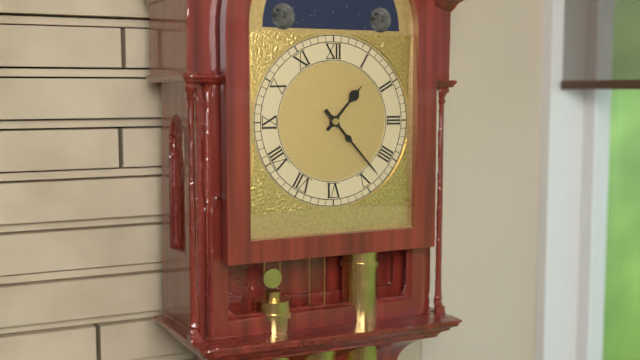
1:23
